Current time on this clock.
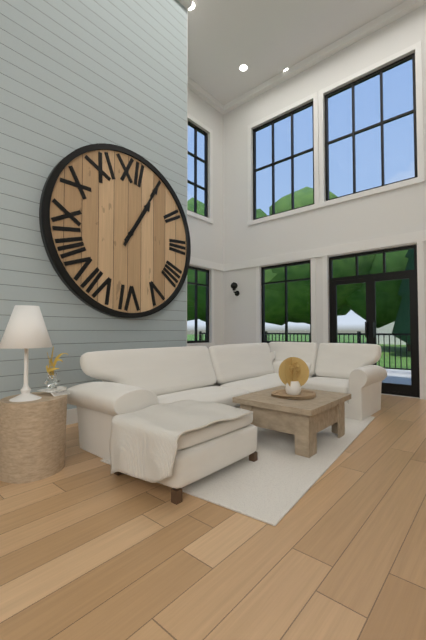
1:05
